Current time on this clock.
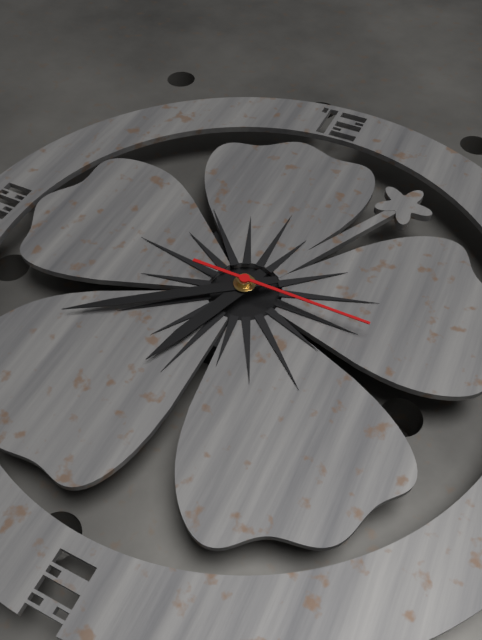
6:39:15
